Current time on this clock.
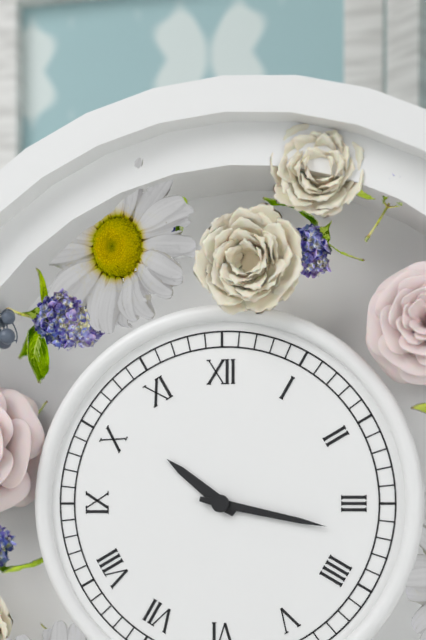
10:17
